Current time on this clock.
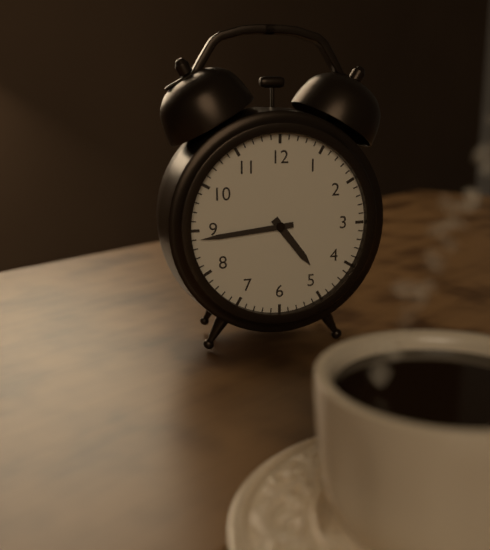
4:44
